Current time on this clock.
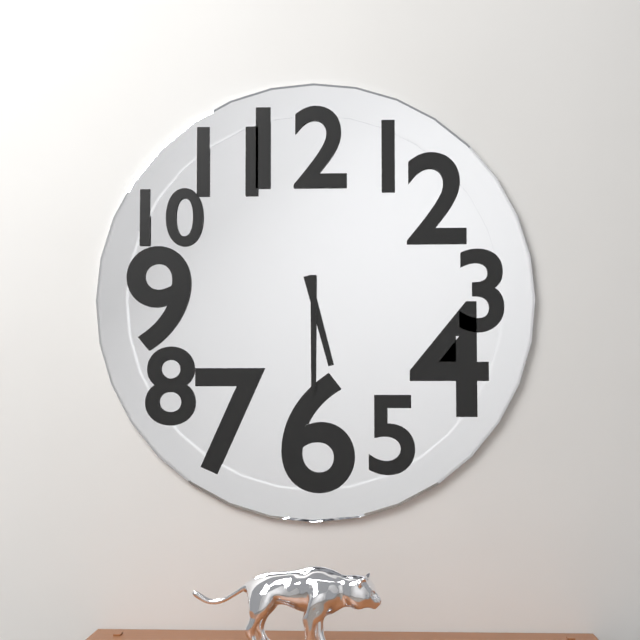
5:30
